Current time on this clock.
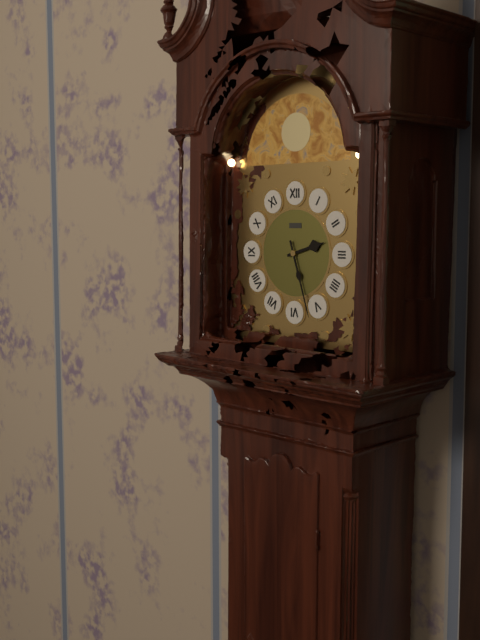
2:27
